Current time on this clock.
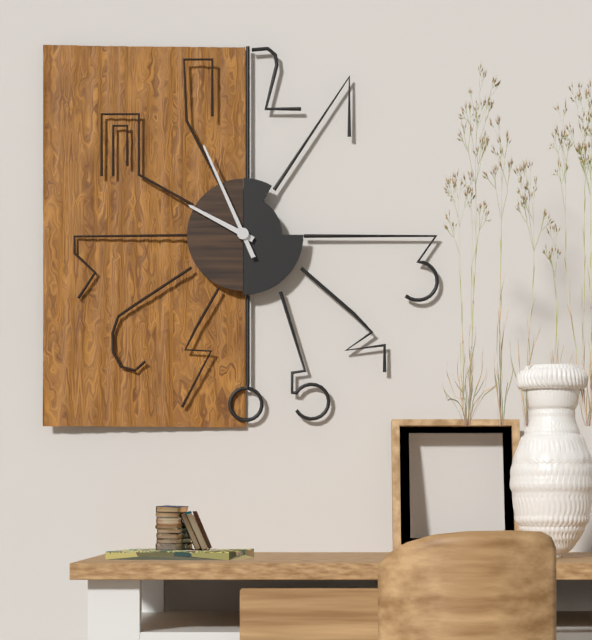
9:56
